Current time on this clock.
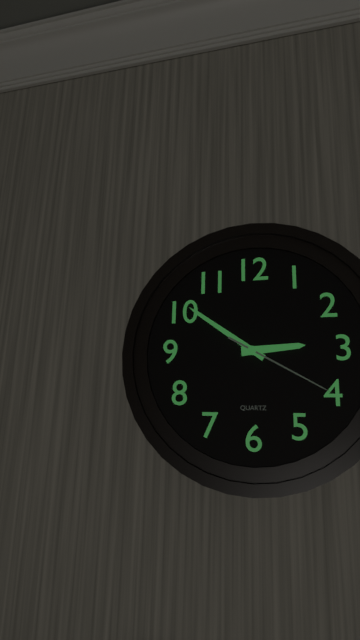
2:51:20
